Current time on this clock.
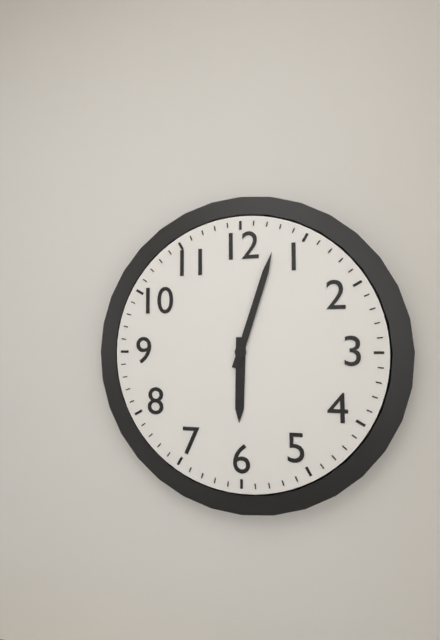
6:03
